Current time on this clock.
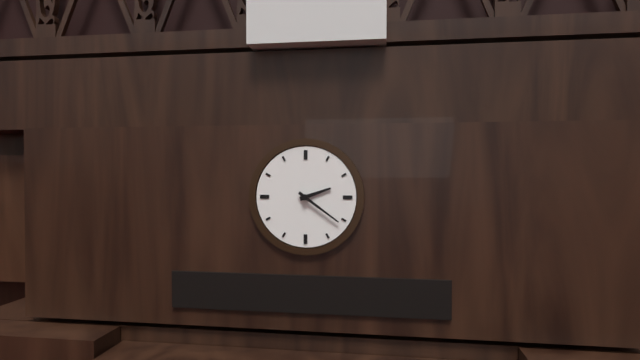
2:21
